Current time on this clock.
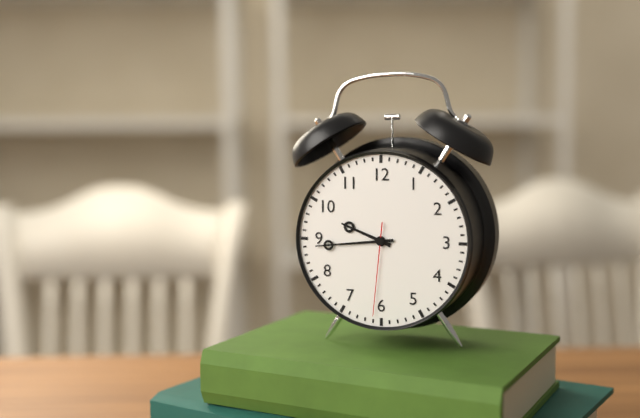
9:44:31
